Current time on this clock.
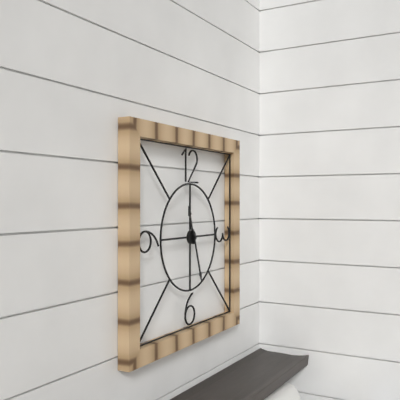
11:27
